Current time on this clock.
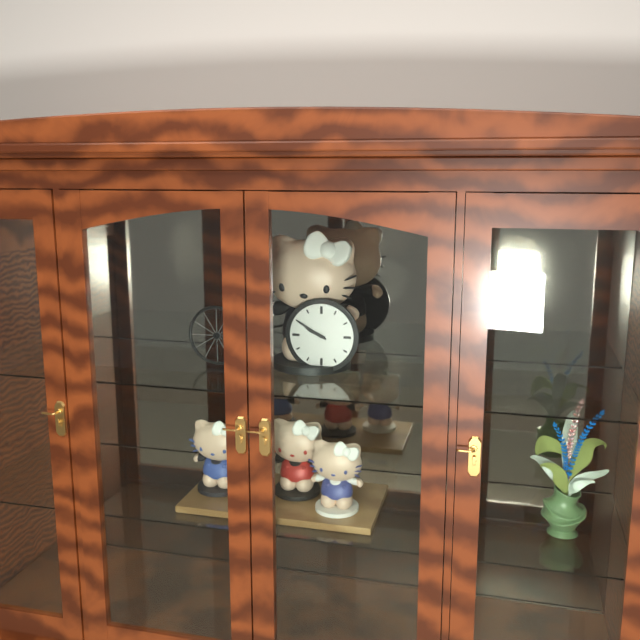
9:50
